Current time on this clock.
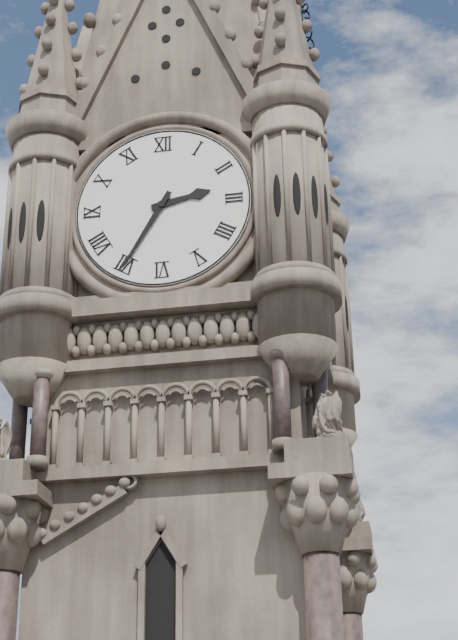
2:35
